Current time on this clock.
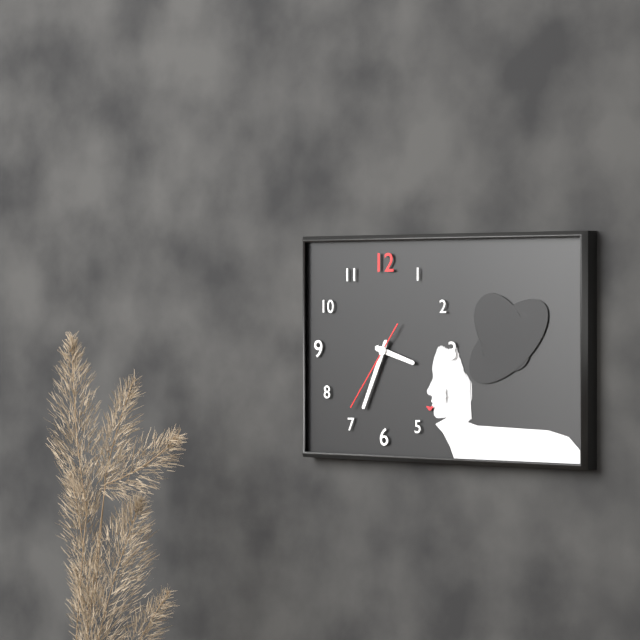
3:34:36
